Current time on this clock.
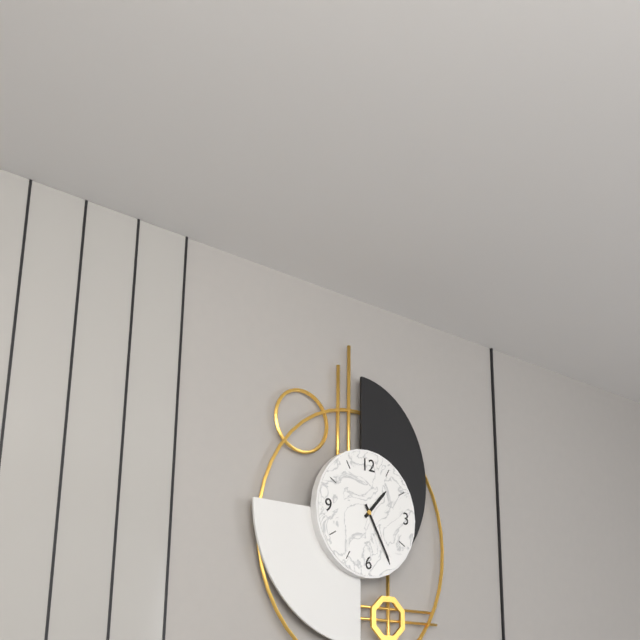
1:25
